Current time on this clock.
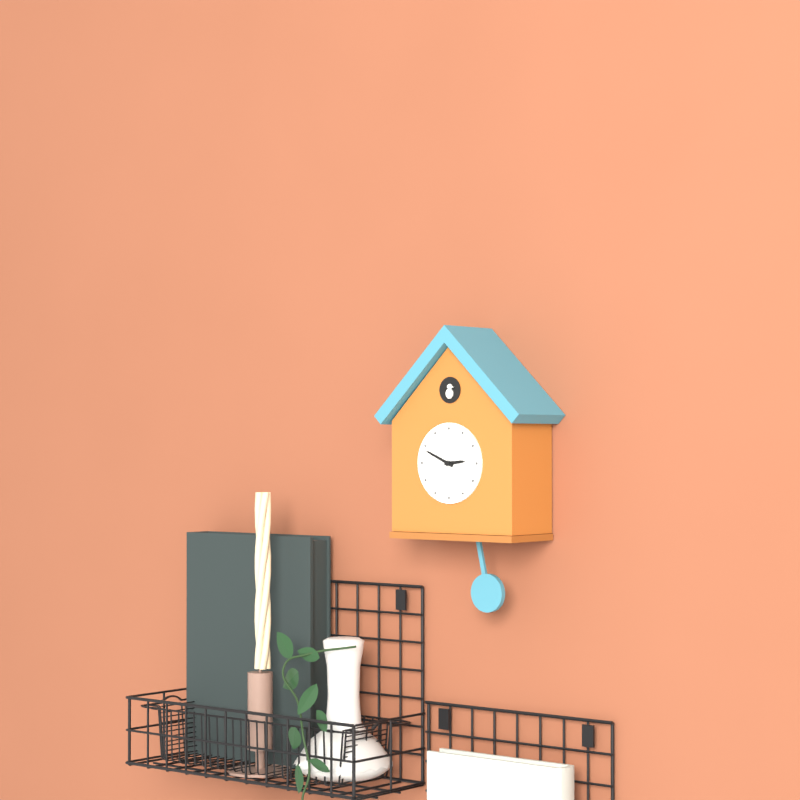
2:49
